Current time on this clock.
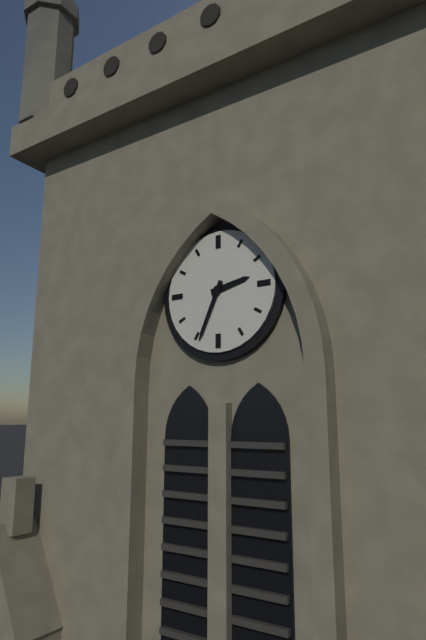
2:34
